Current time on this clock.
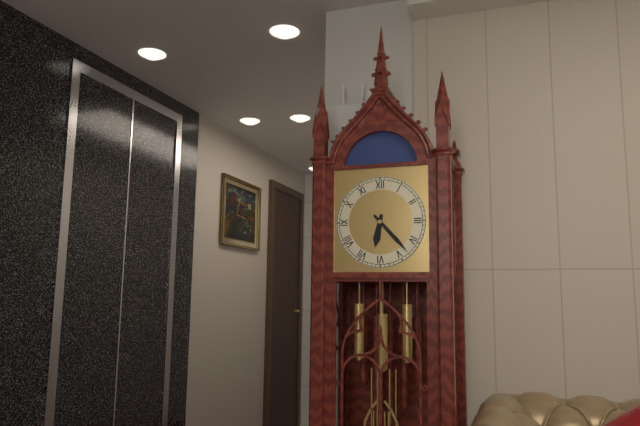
6:23
